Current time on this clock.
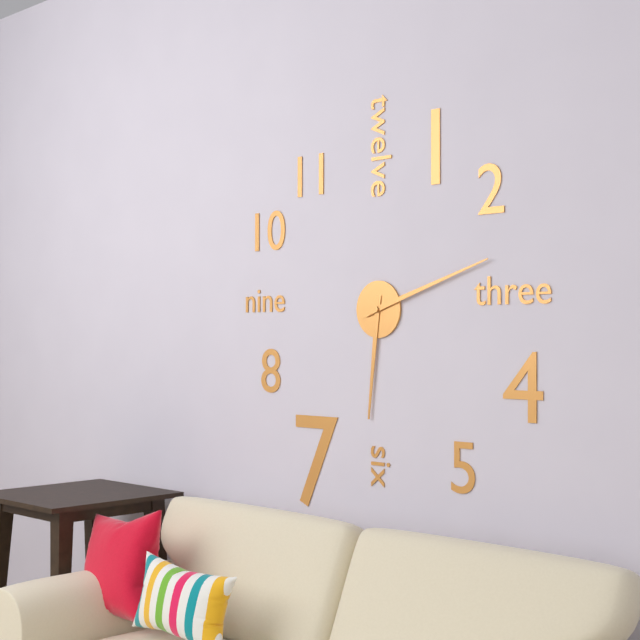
6:12
